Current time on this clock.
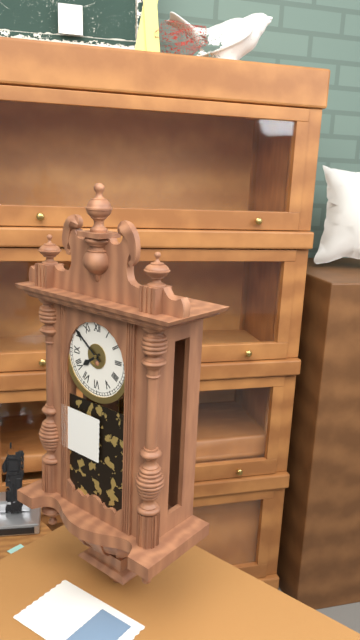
7:51
